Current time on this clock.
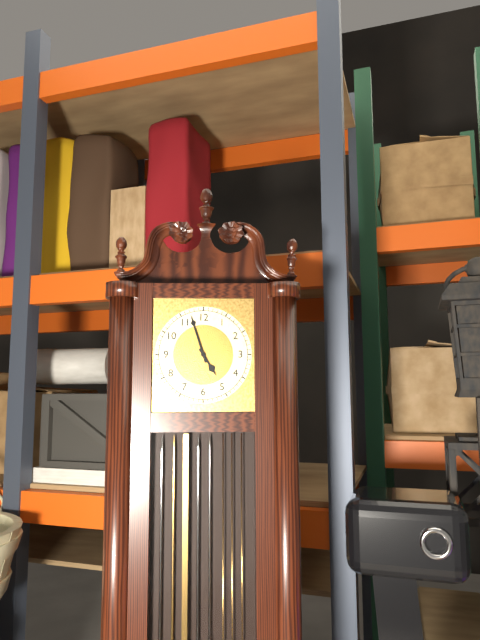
4:57
